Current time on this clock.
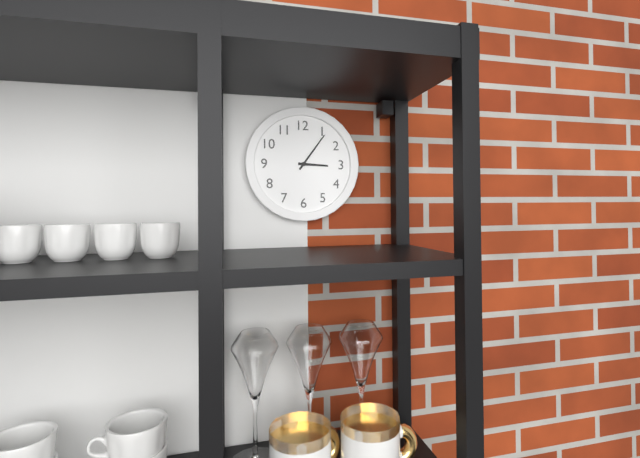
3:06
